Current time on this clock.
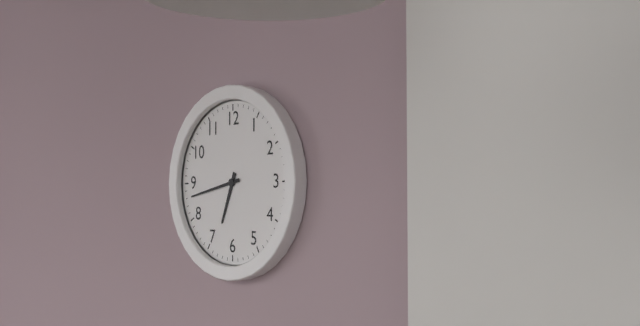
6:43
